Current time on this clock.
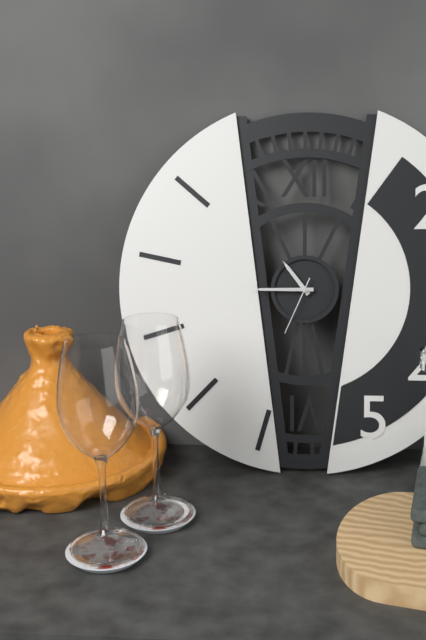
10:45:34
